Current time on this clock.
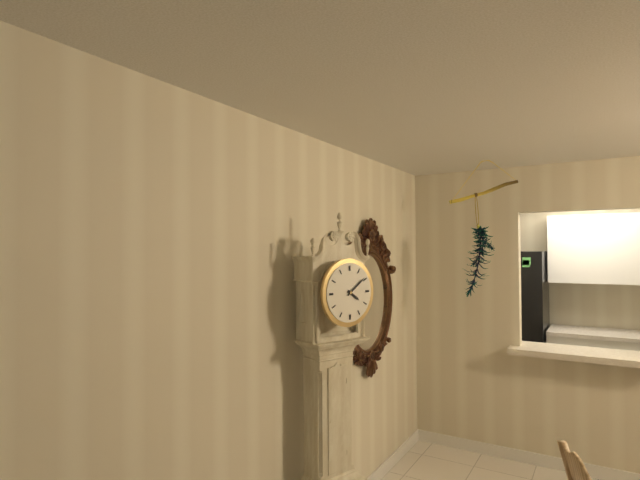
4:09
